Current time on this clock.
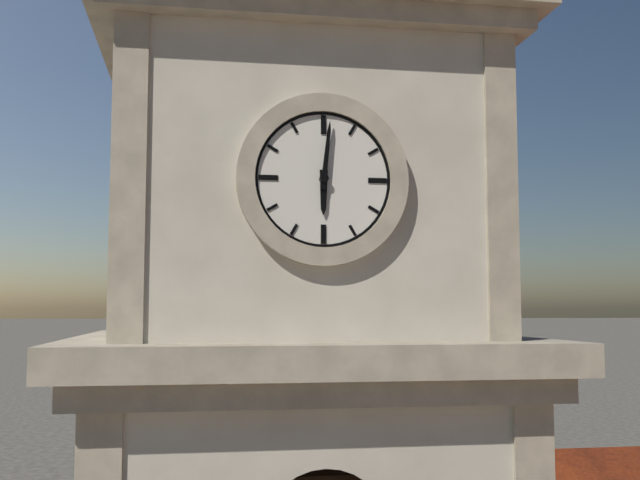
6:01
